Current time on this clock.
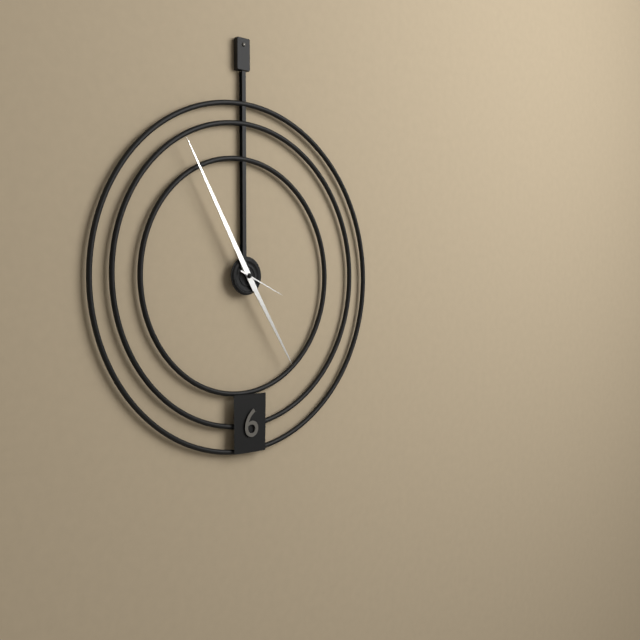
4:55
